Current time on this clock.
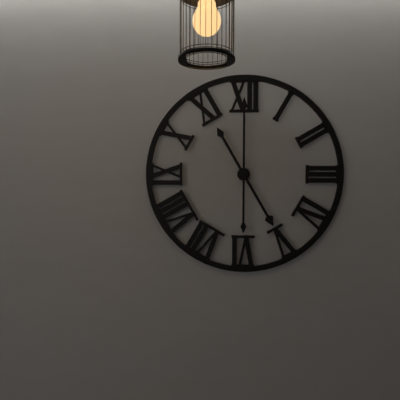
5:00
